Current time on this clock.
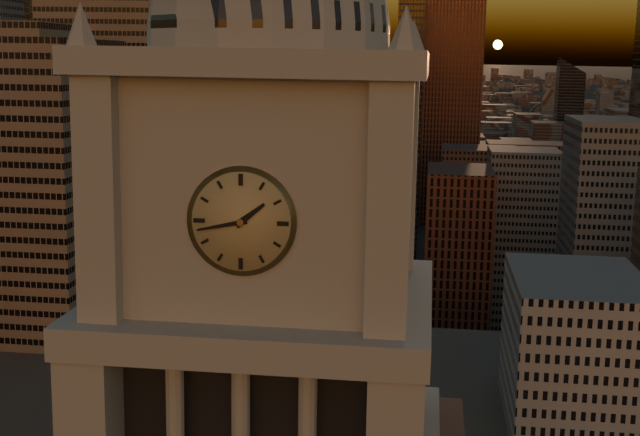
1:43
